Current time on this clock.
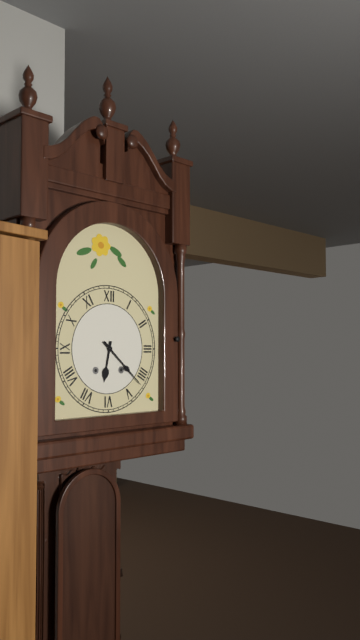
6:22
